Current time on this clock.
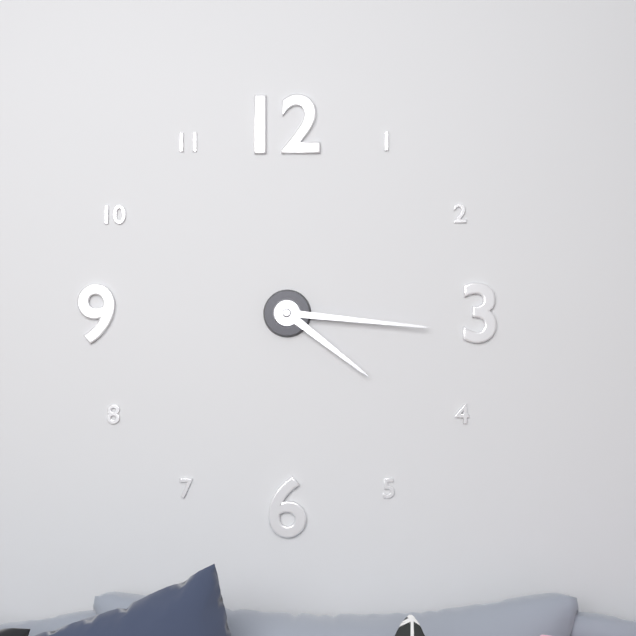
4:16
